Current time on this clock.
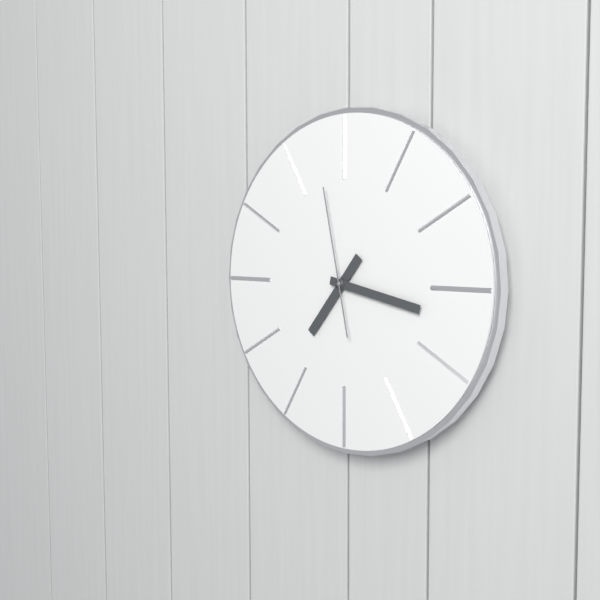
7:17:58
